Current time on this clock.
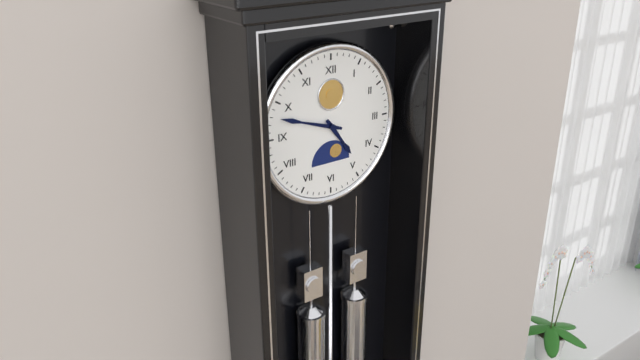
4:48
